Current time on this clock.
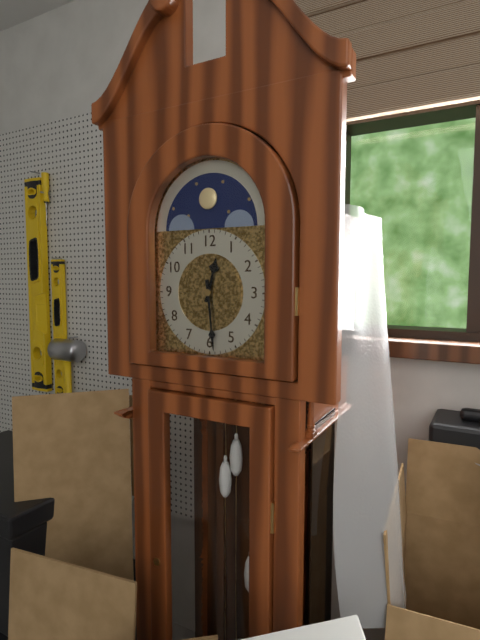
12:29
